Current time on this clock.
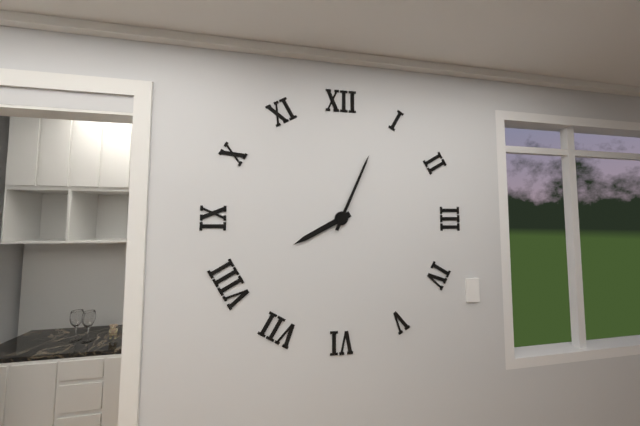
8:04
